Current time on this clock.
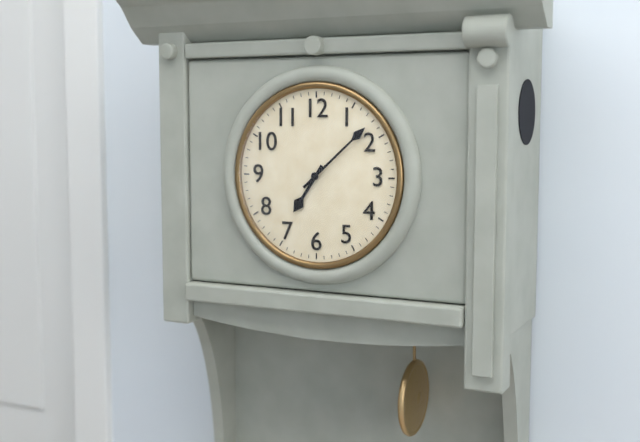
7:08
